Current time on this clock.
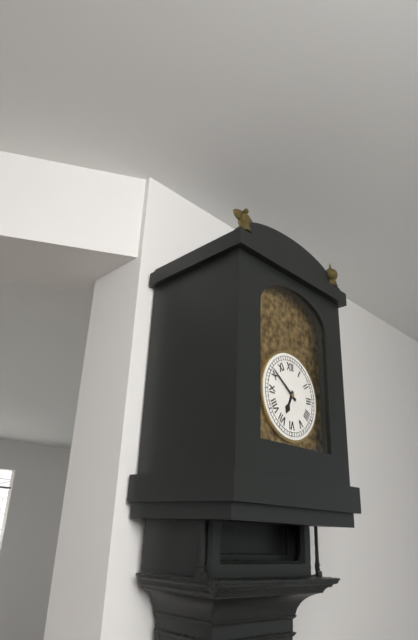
6:51
